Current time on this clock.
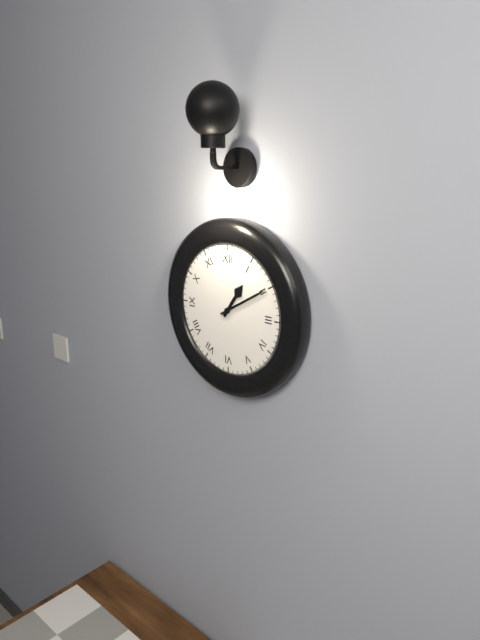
1:10
